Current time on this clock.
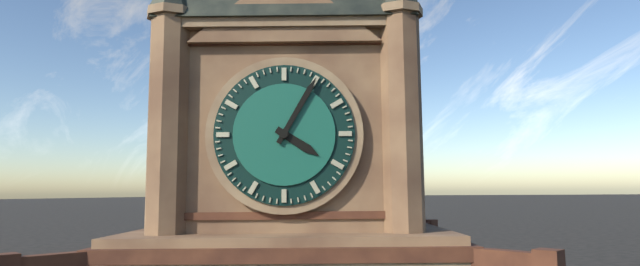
4:05
